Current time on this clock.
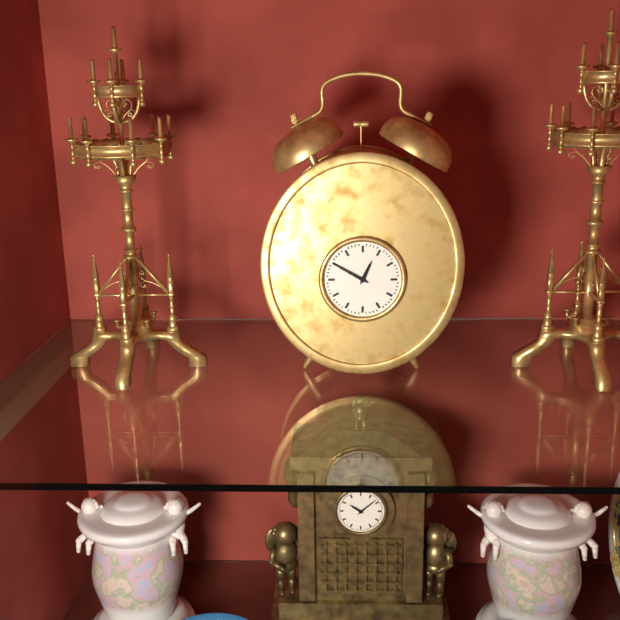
12:50
